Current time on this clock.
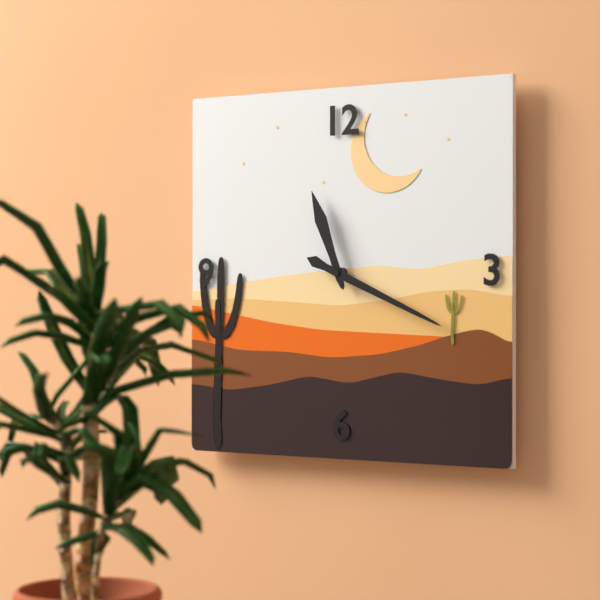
11:19
